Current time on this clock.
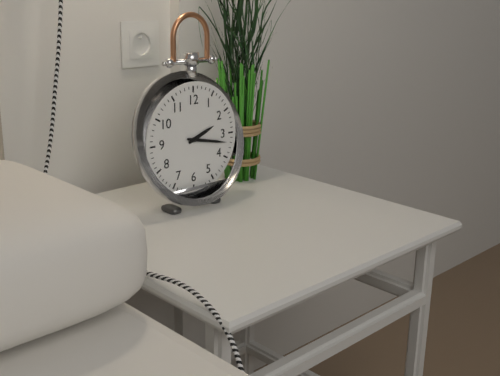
2:17
